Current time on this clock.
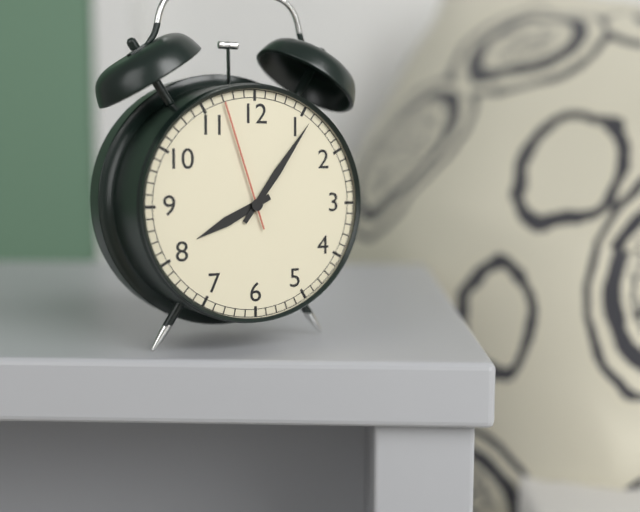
8:06:57
